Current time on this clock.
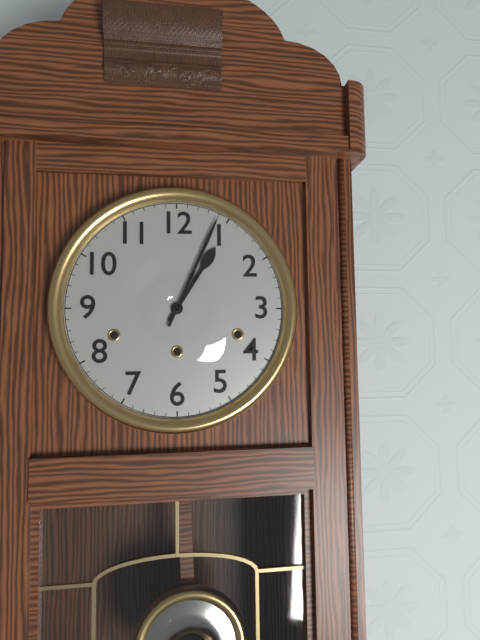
1:04
